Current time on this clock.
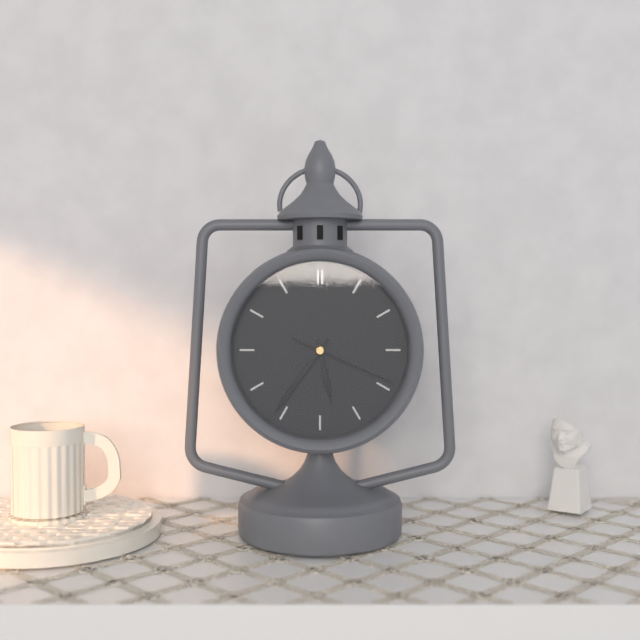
5:36:19
